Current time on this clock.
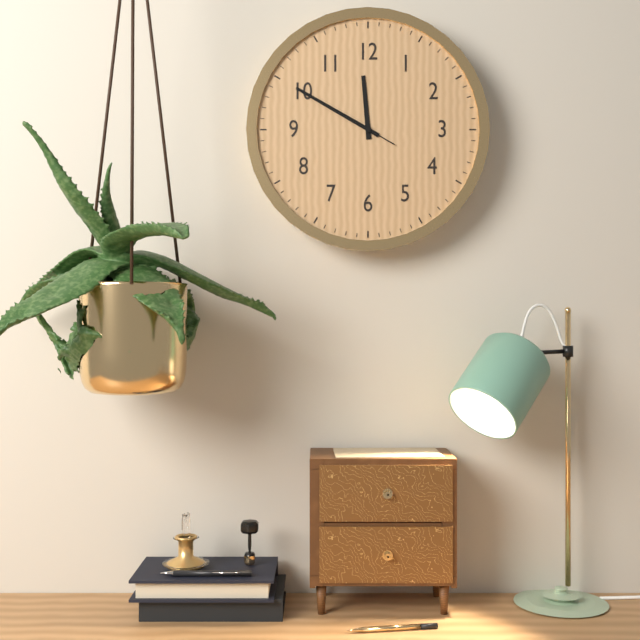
11:50:50
